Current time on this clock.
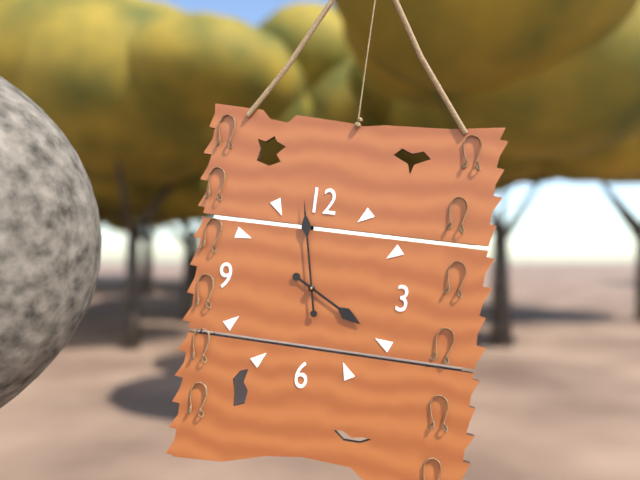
3:58
